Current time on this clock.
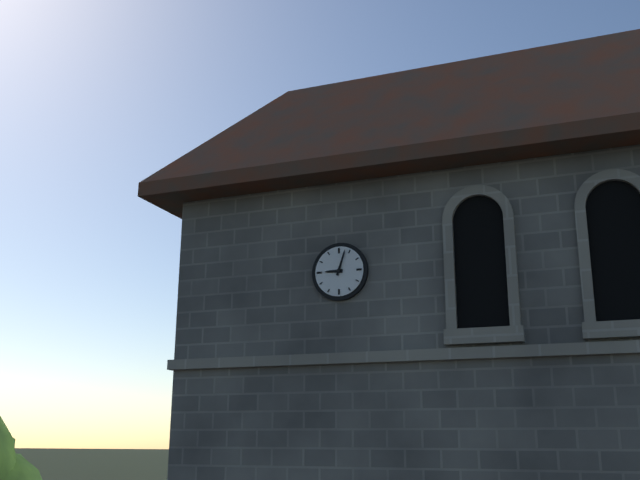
9:03
